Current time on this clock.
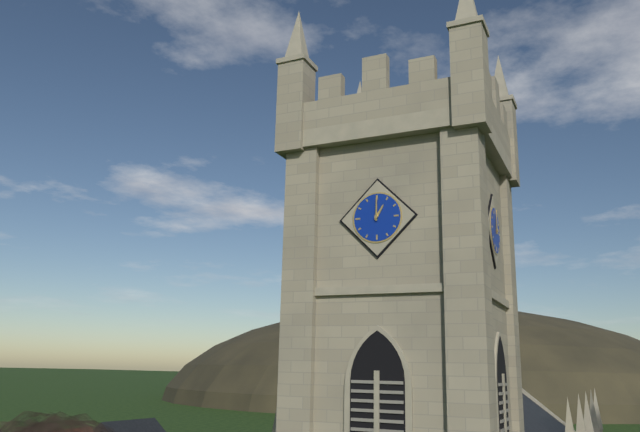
1:00
